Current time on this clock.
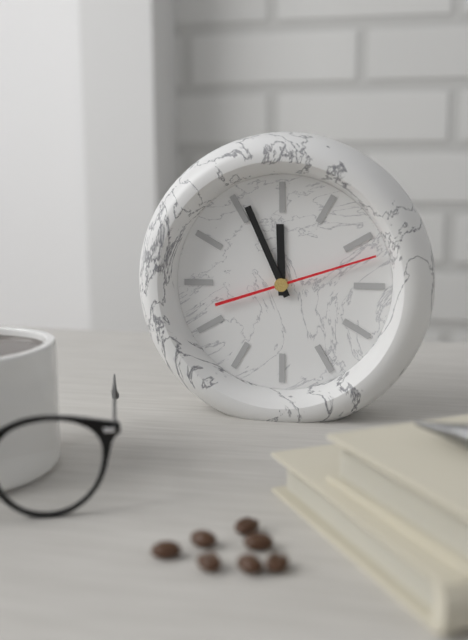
11:56:12
